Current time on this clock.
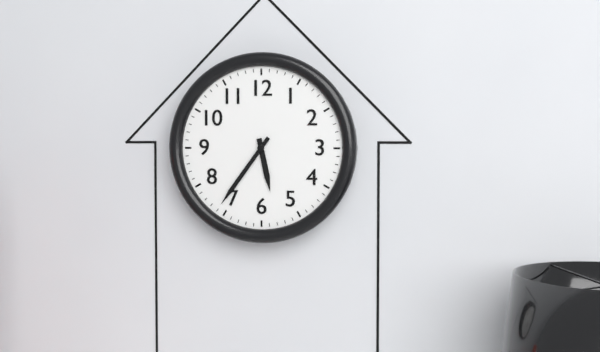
5:36
